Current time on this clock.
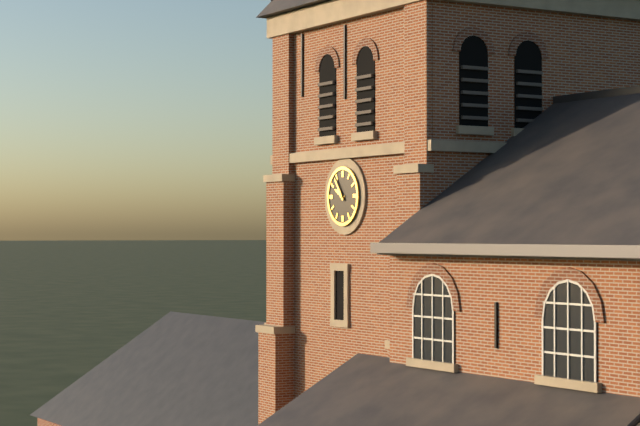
9:54
